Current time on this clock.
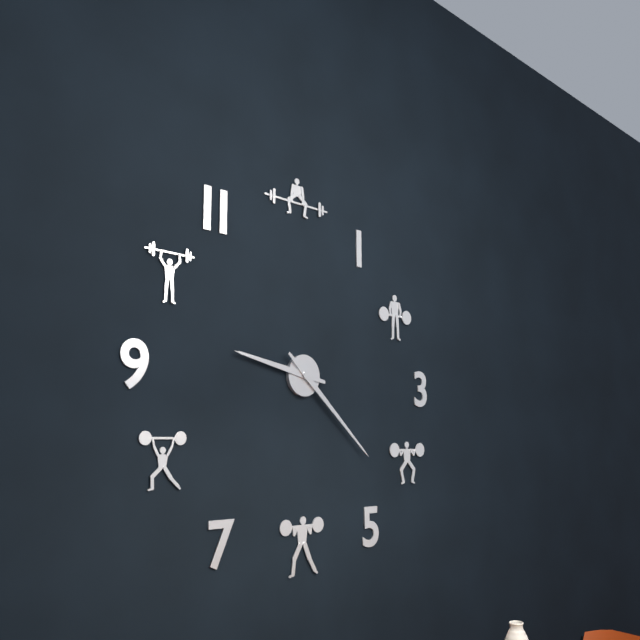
9:22
